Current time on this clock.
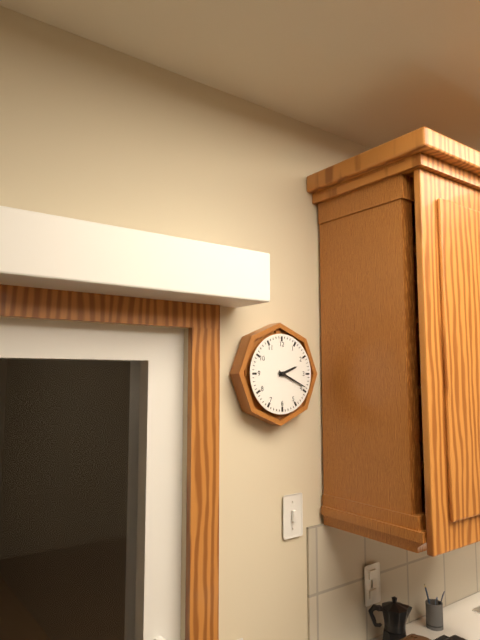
2:19
